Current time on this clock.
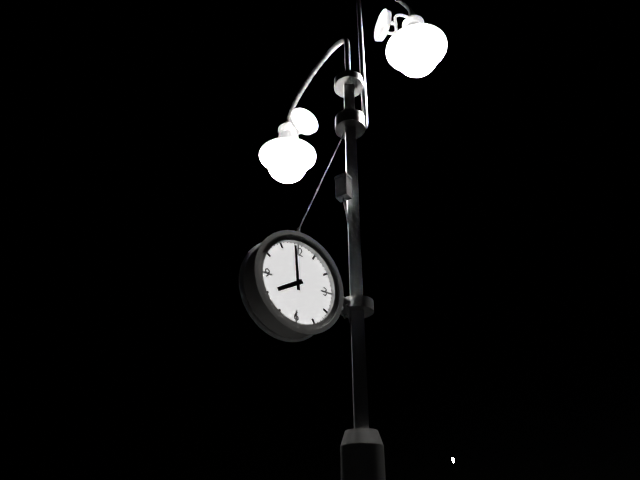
7:59
